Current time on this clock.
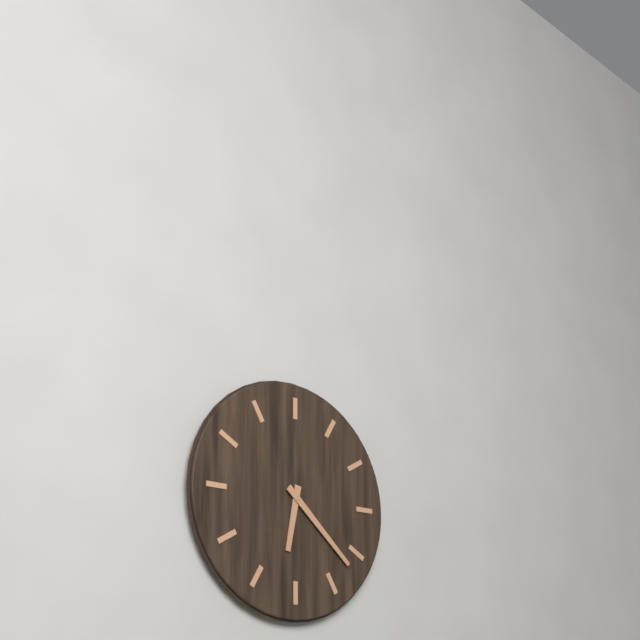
6:22
